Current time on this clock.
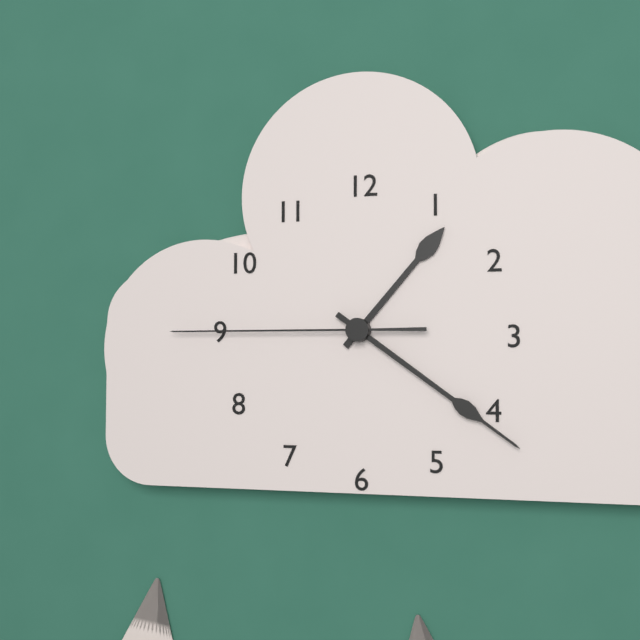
1:21:45
